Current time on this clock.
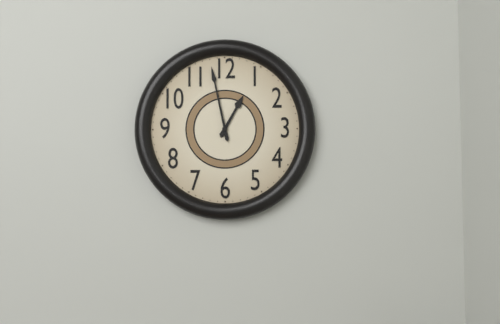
12:58
